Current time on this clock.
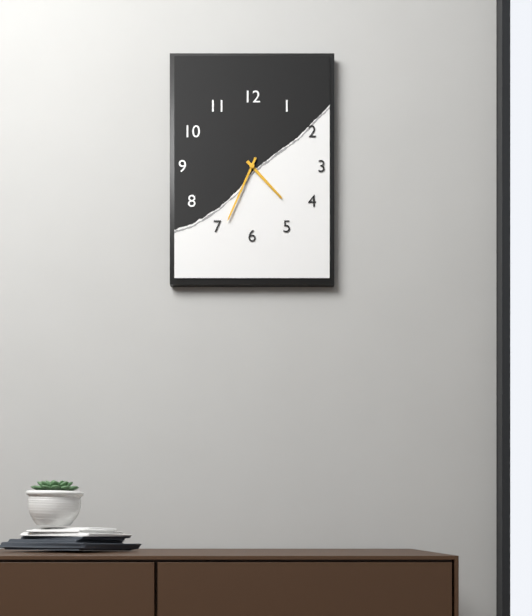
4:34
